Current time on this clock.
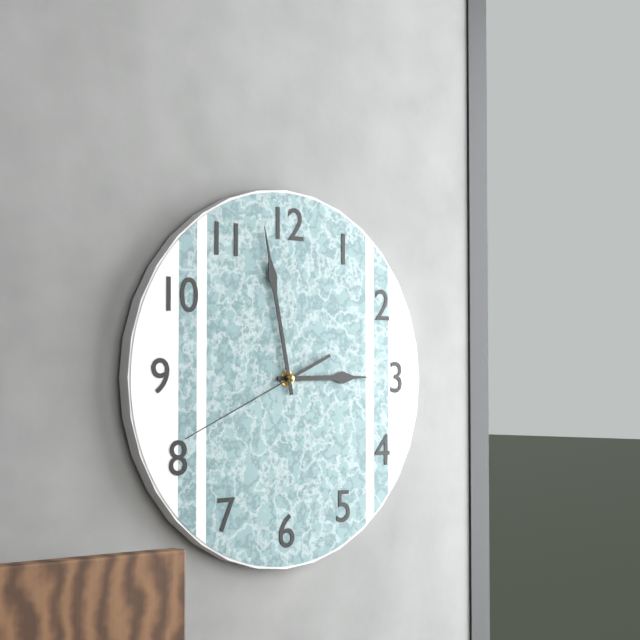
2:58:41
